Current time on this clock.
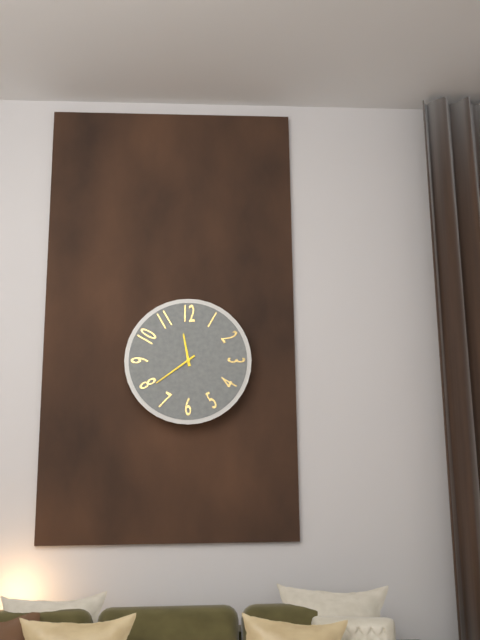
11:39
